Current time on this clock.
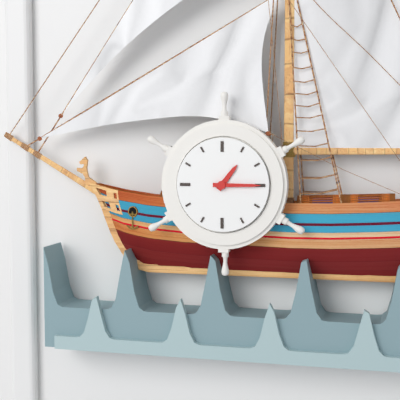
1:15
